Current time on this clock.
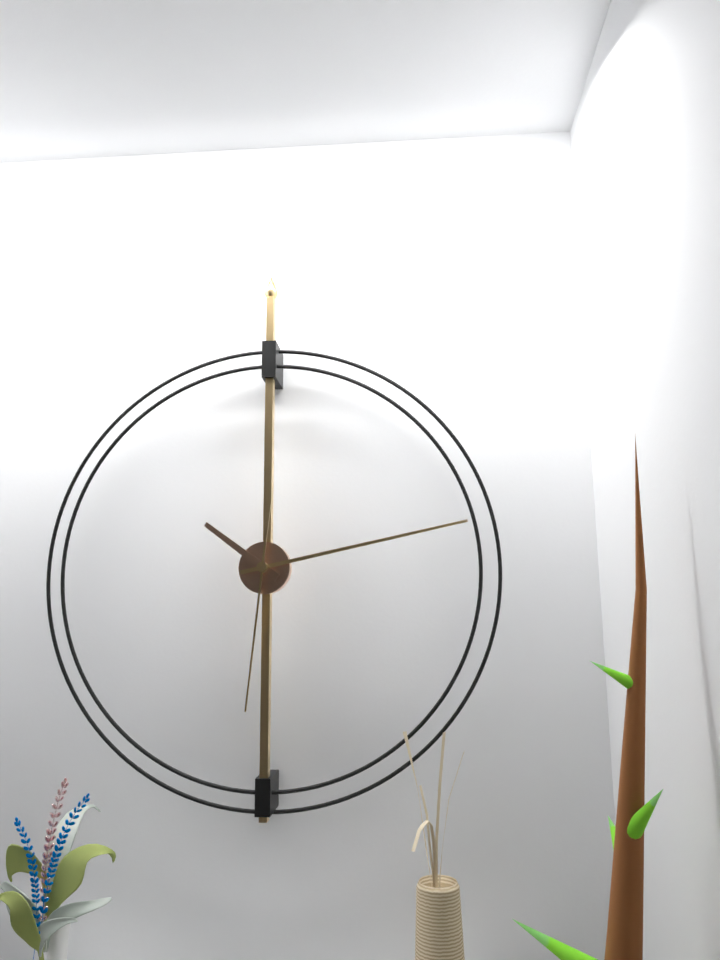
10:13:31
